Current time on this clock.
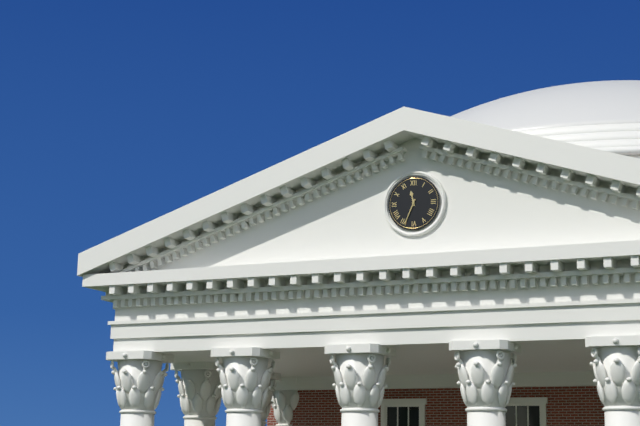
11:34
